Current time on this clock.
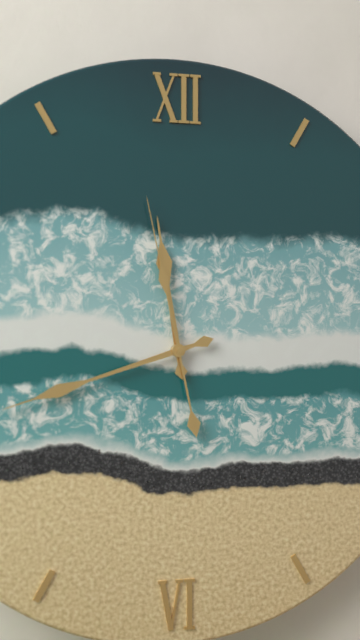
11:42:58
